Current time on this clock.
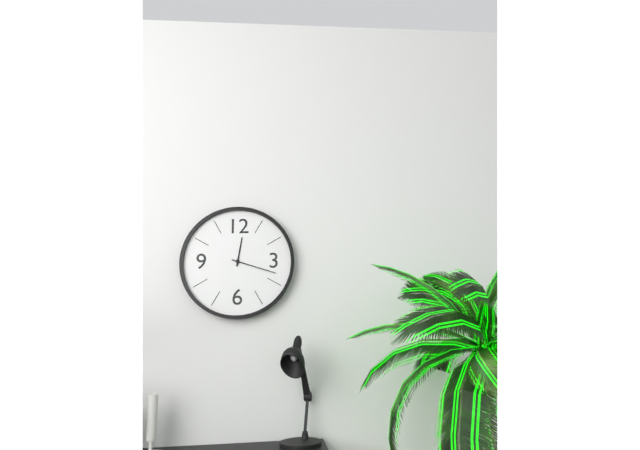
12:18
